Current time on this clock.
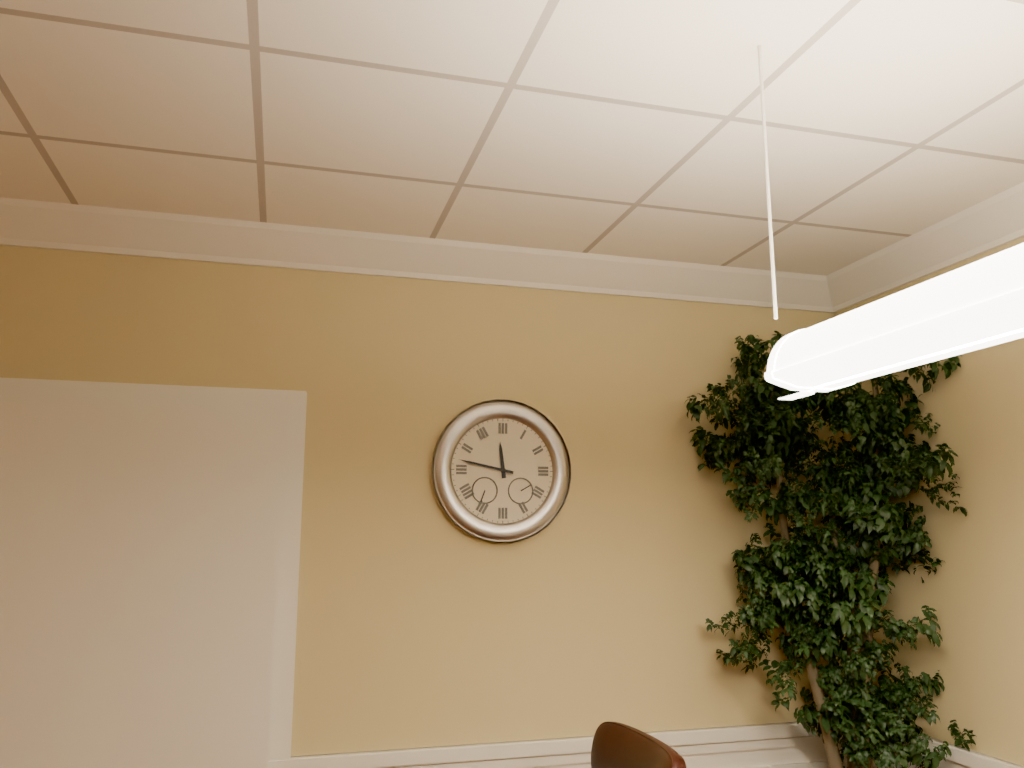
11:47
